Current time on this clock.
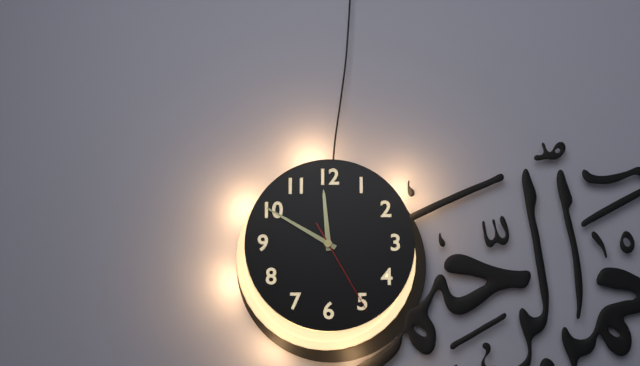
11:50:25
